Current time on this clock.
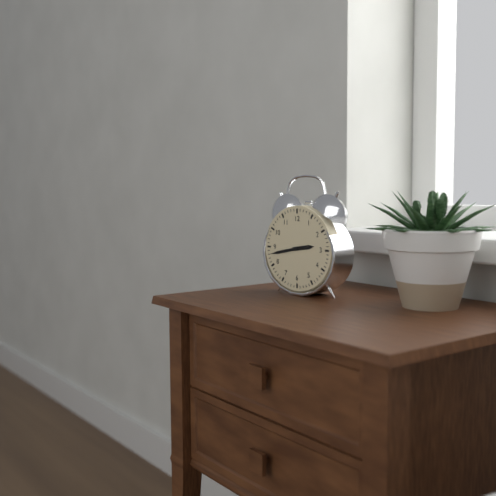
2:43
